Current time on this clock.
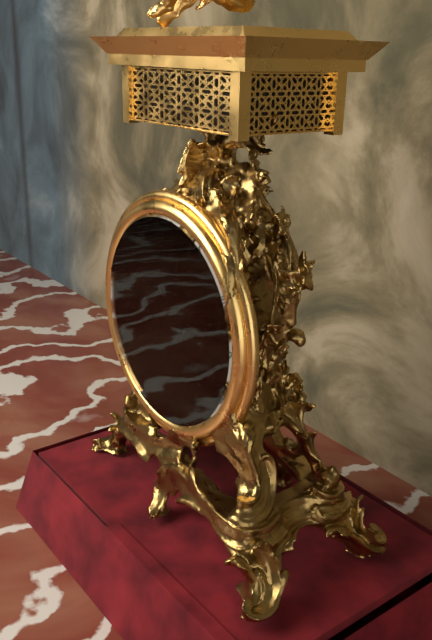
9:47
